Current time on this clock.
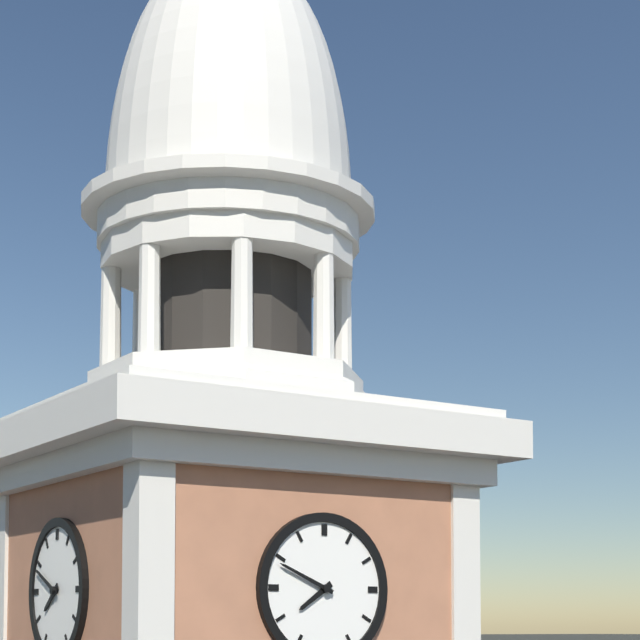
7:49
